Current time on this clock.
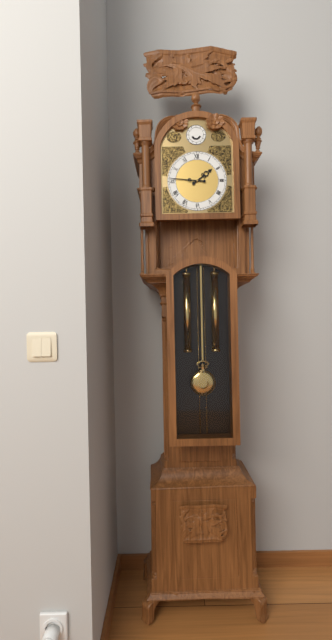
1:46
